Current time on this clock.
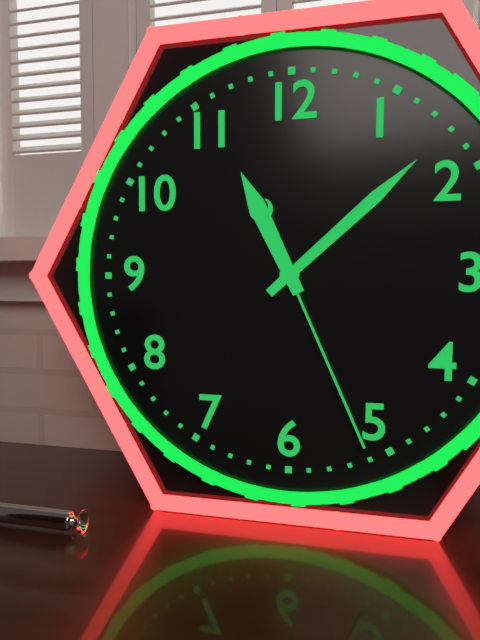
11:08:26
